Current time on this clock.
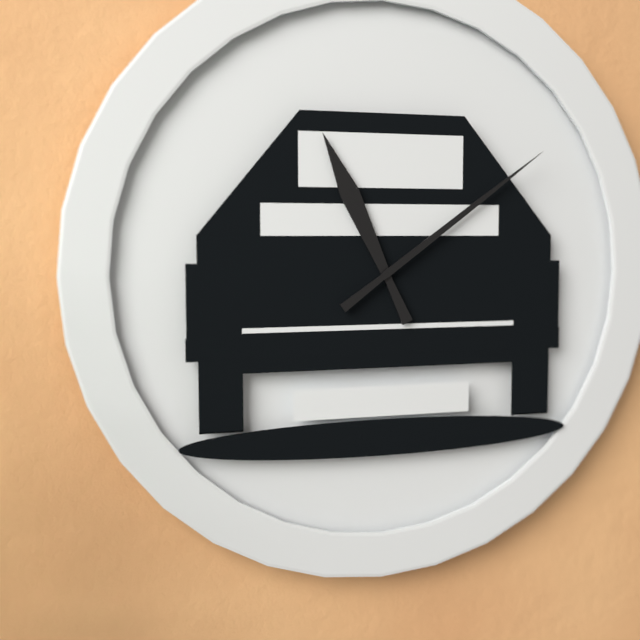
11:09
